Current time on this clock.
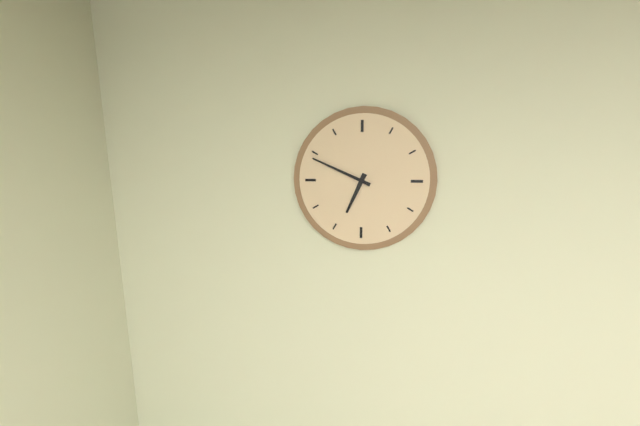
6:49
